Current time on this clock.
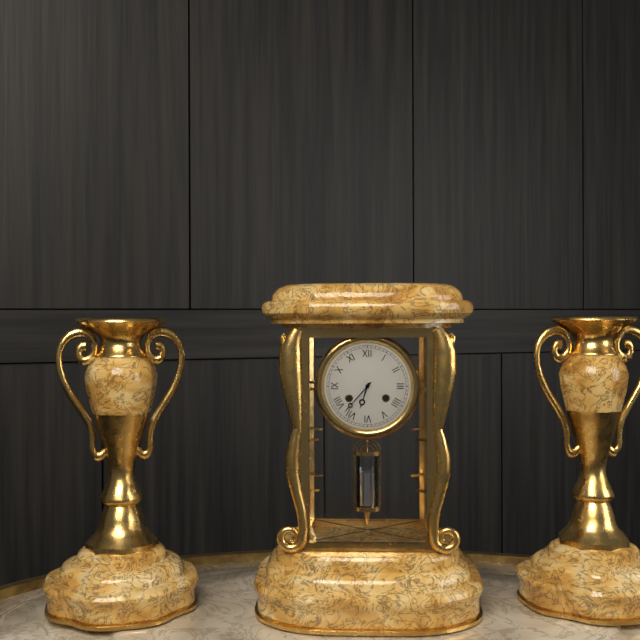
6:37
